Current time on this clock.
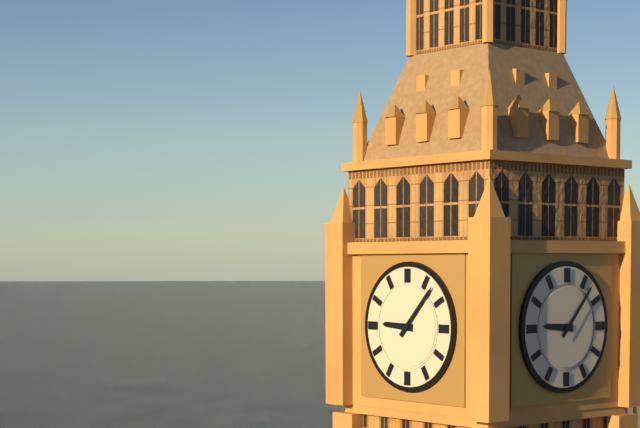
9:07
